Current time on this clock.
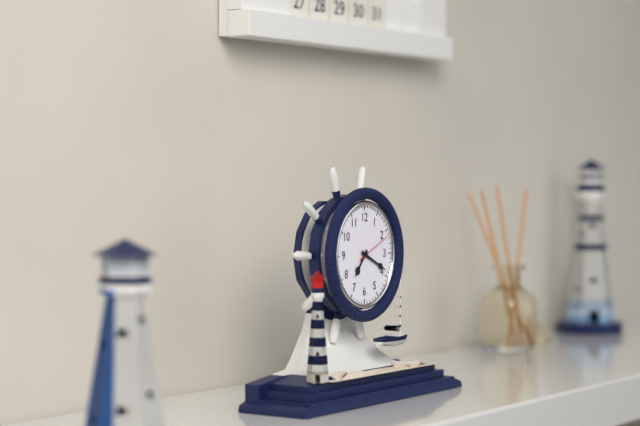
7:19
